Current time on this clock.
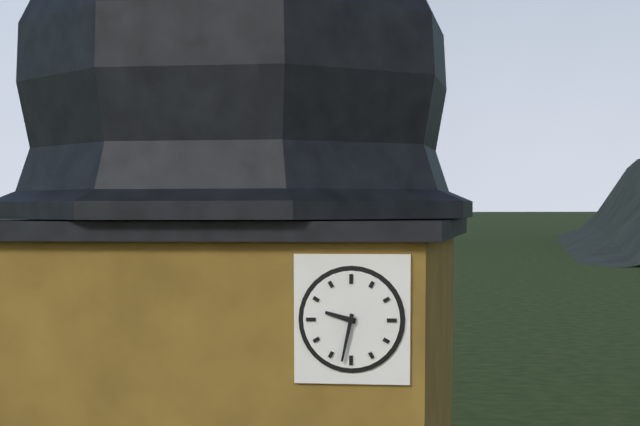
9:32
